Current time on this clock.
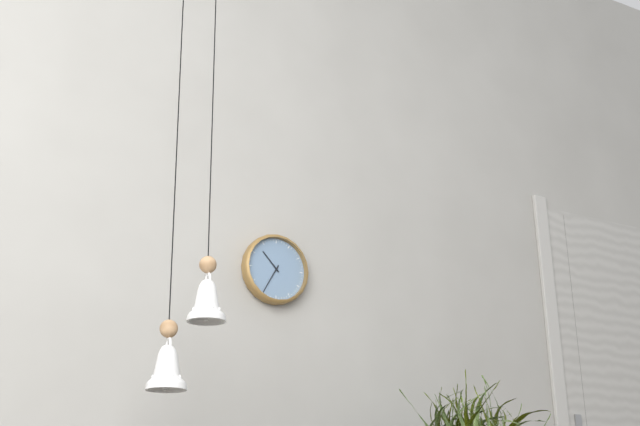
10:35
